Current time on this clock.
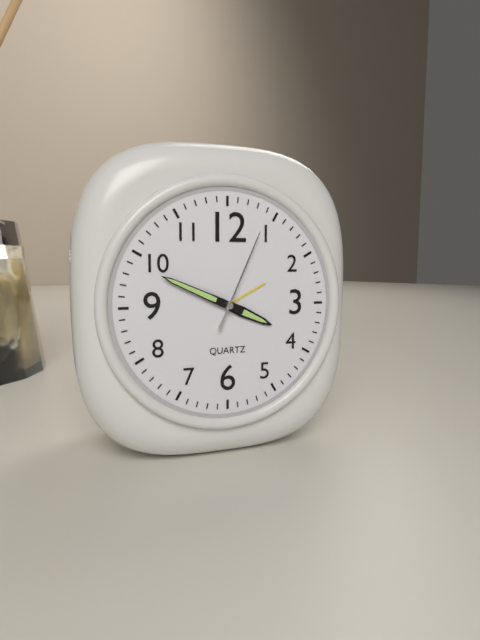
3:49:04
